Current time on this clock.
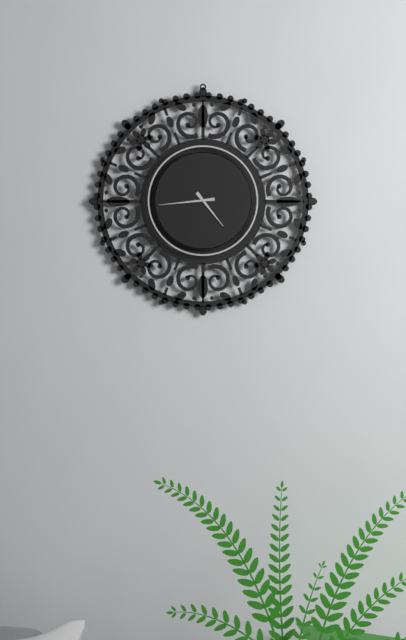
4:44
